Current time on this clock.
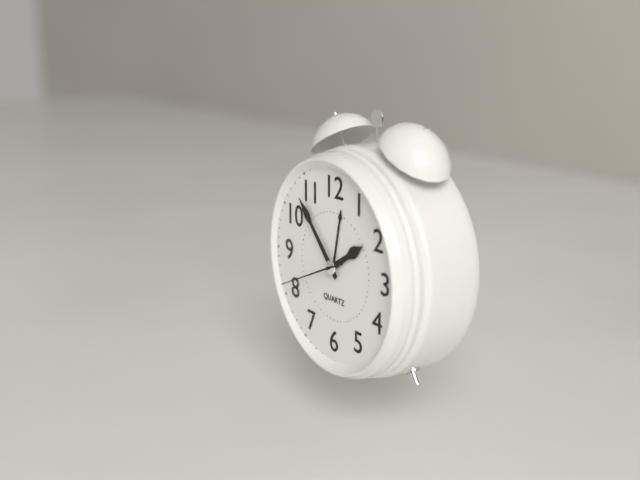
1:53:41
